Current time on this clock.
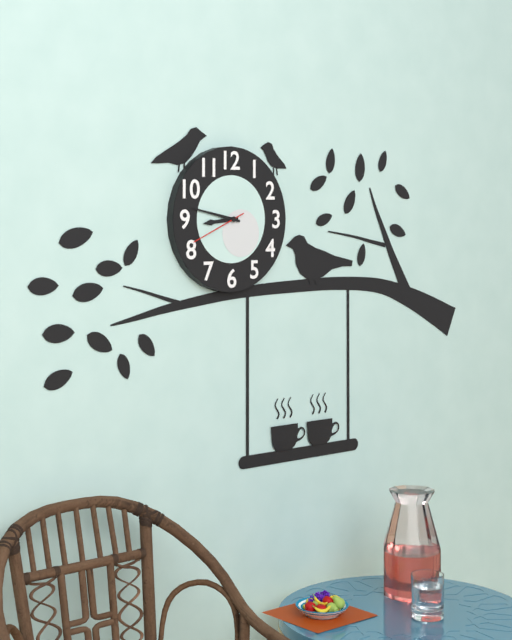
8:47:41
